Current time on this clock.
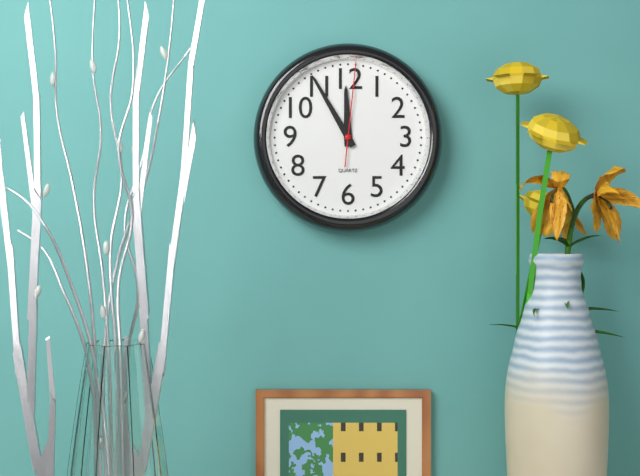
11:55:01
